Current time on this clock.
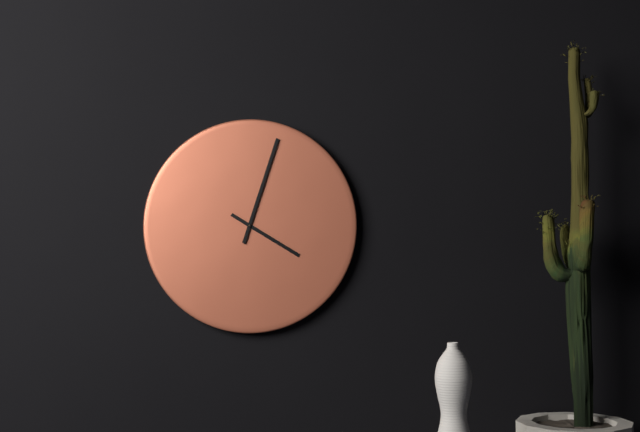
4:03
